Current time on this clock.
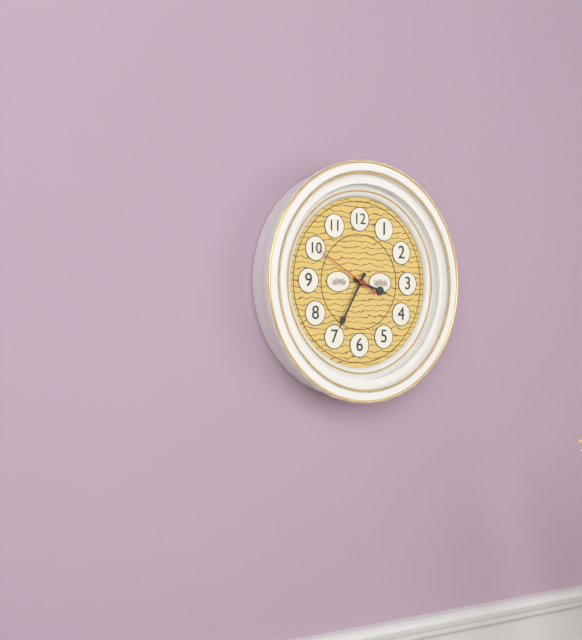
3:35:50
